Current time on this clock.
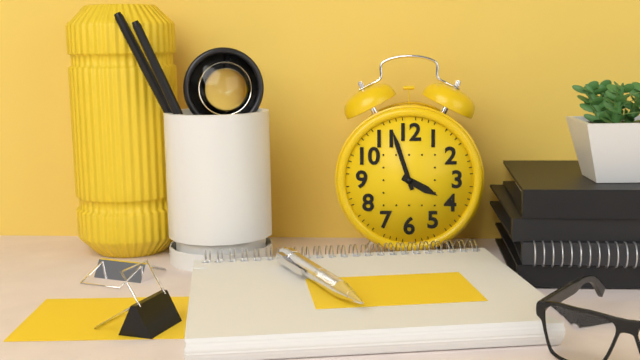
3:57
